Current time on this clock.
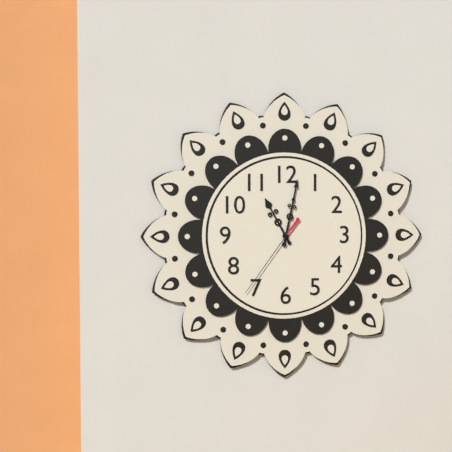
11:02:36
